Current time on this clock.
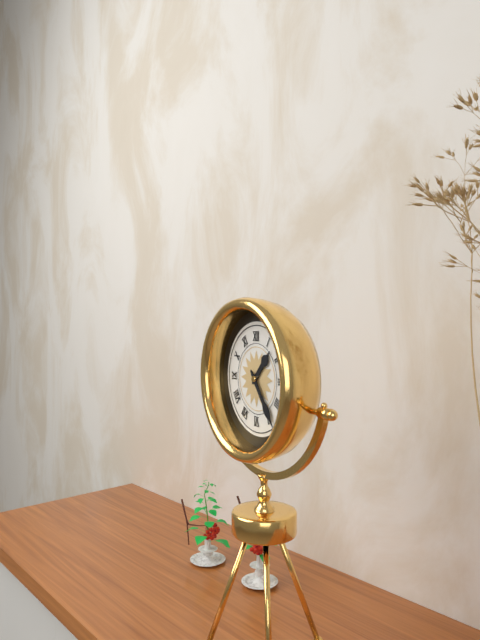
1:24
